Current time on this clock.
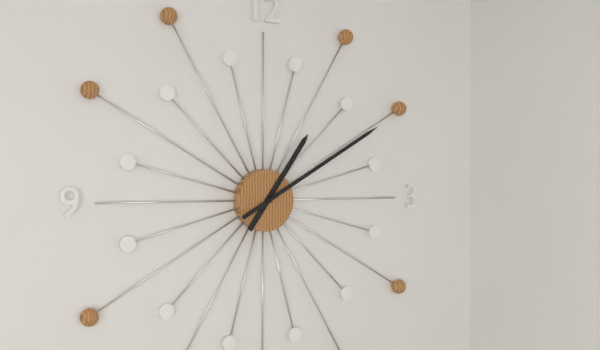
1:10
